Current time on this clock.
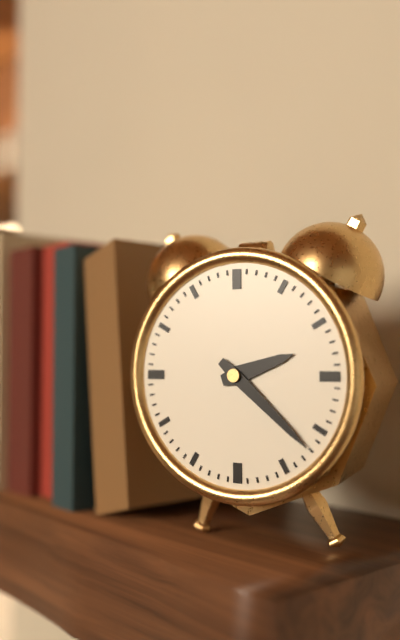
2:22
